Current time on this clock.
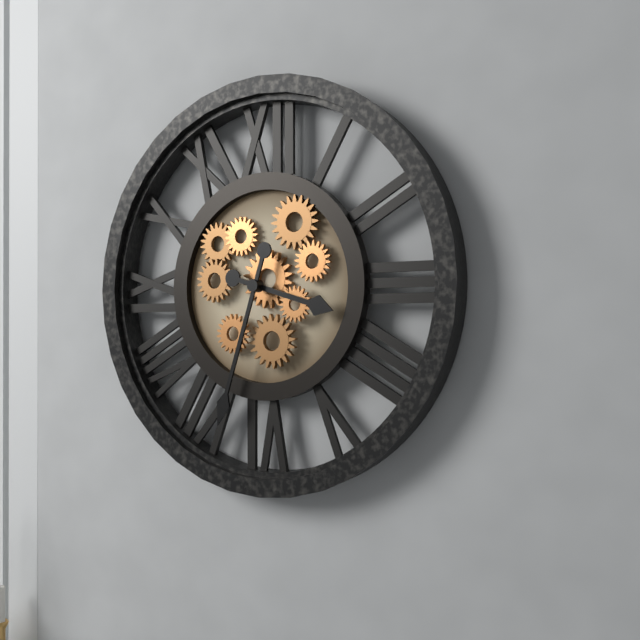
3:33
